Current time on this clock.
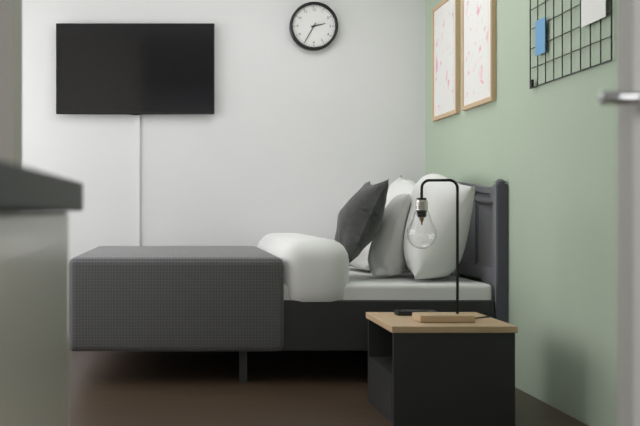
2:35
